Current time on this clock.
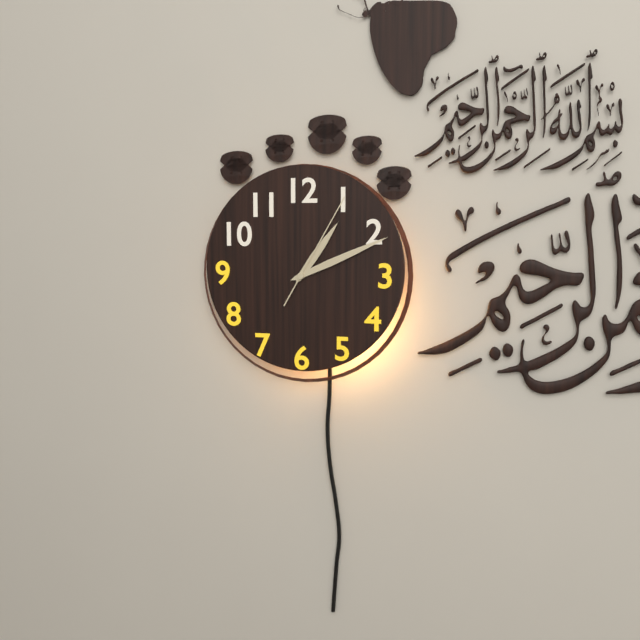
1:11:05
